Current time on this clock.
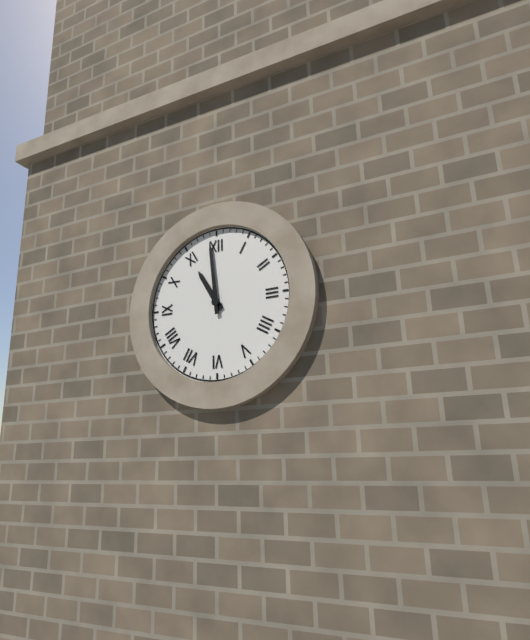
10:59
